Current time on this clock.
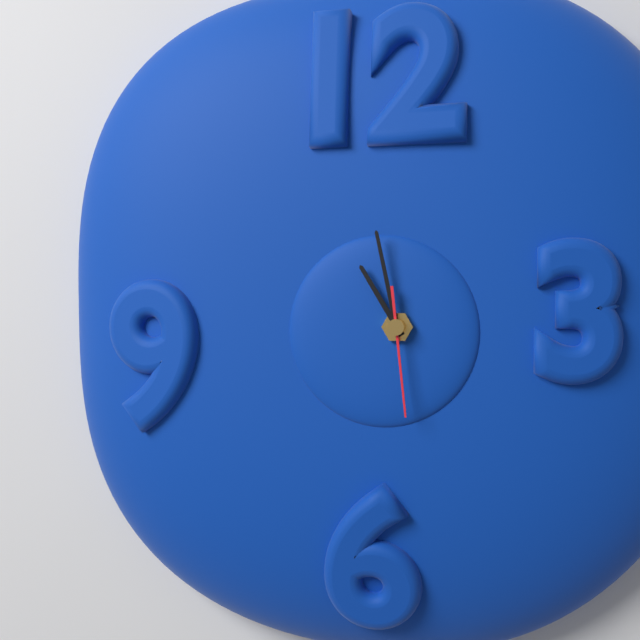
10:58:29
